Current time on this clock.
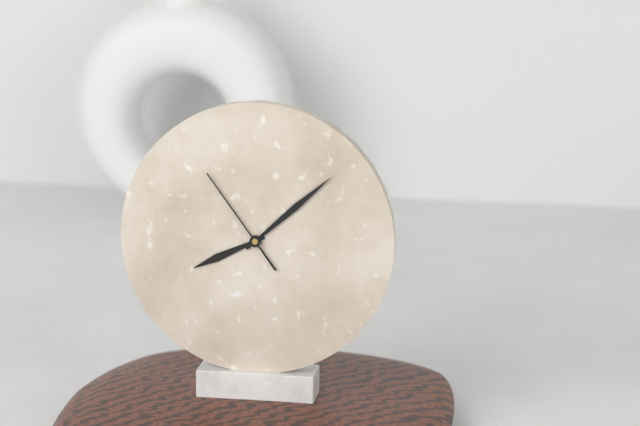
8:08:54
